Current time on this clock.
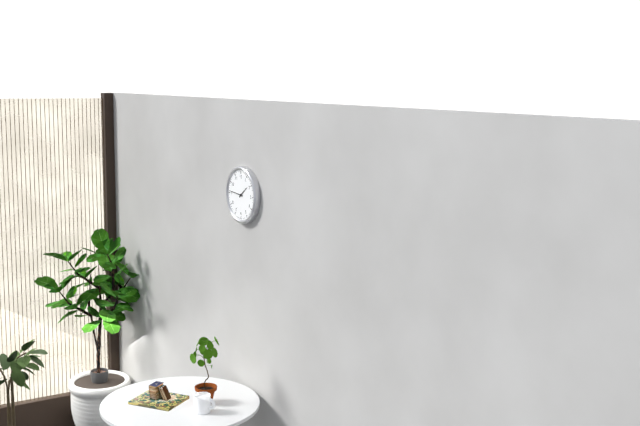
1:46
